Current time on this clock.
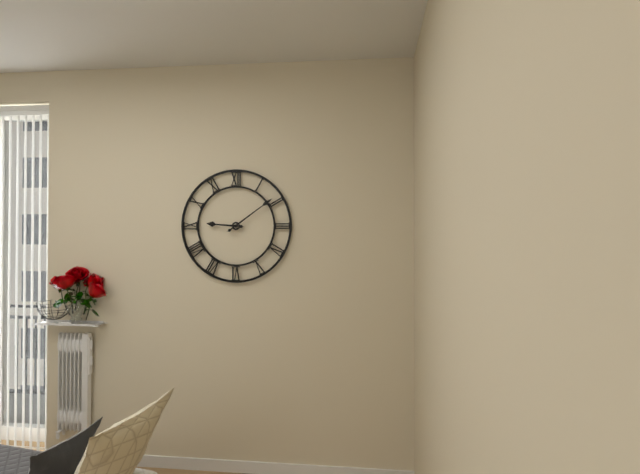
9:09
